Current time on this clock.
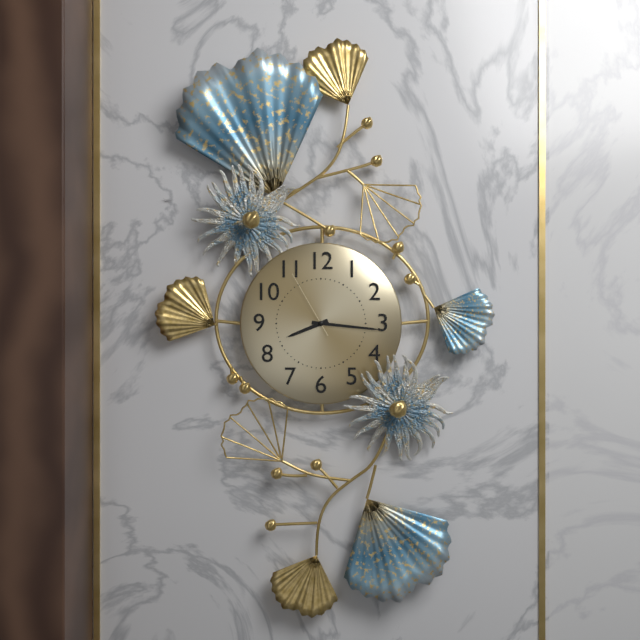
8:16:55
